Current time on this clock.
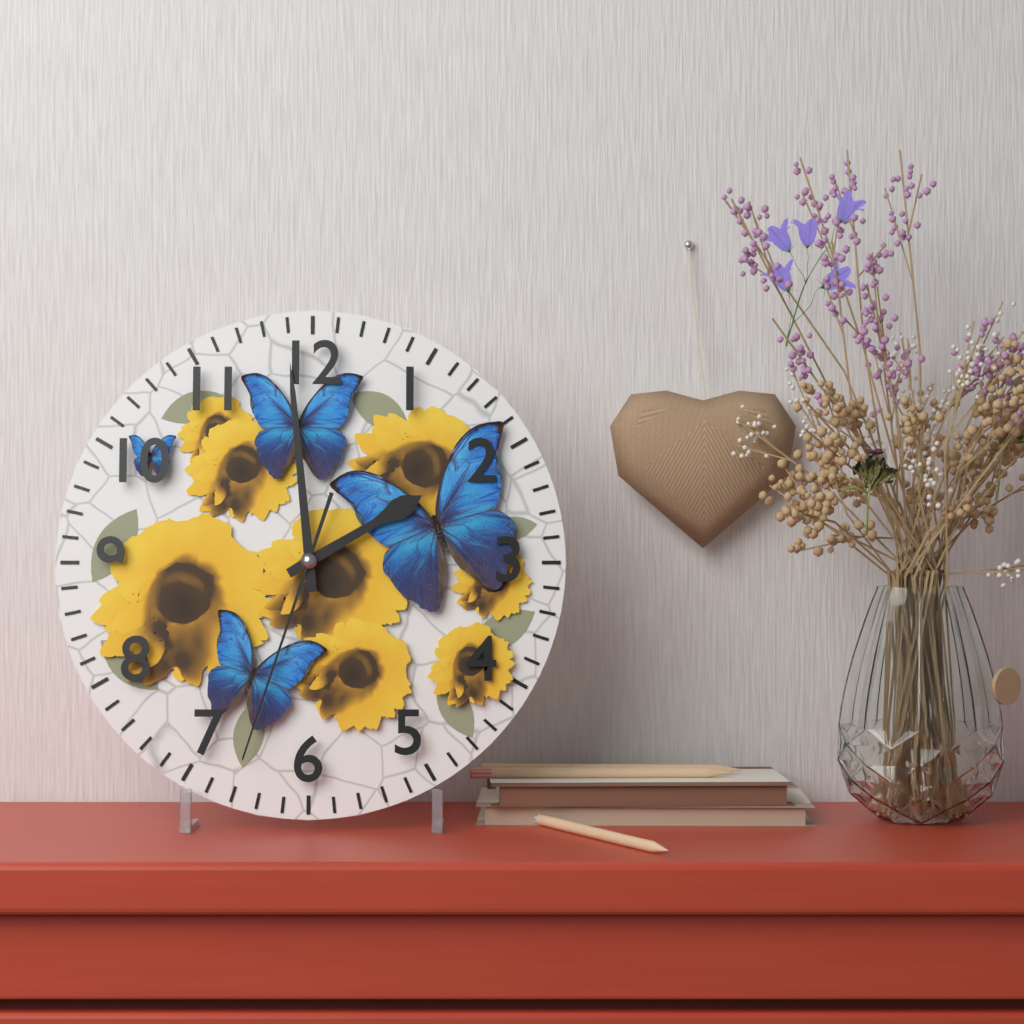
1:59:33
